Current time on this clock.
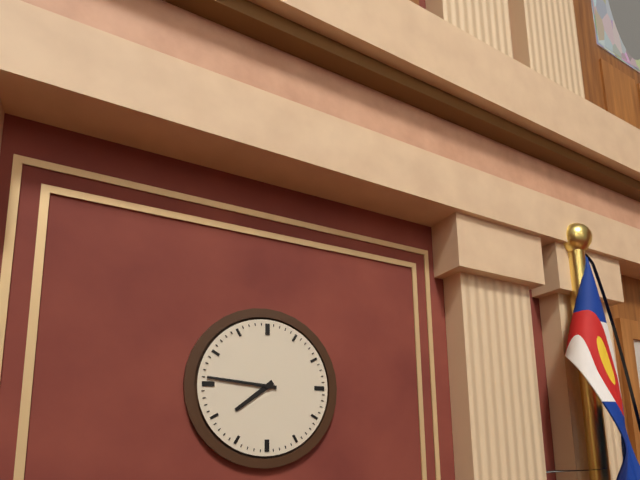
7:46
